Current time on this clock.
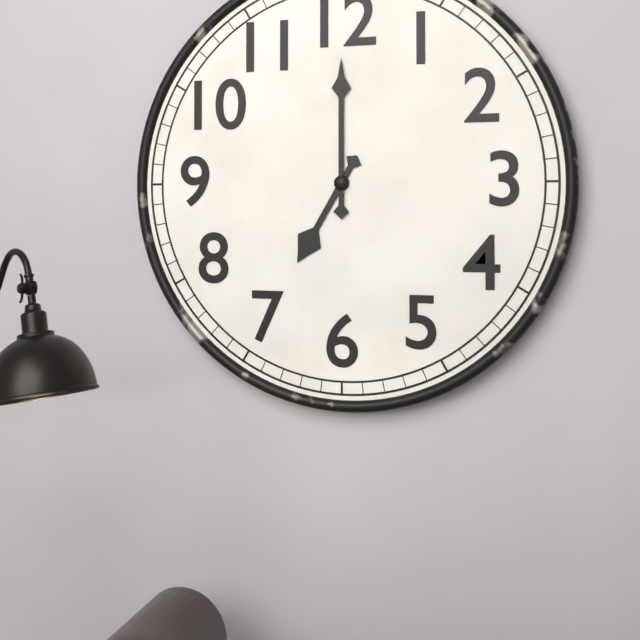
7:00
